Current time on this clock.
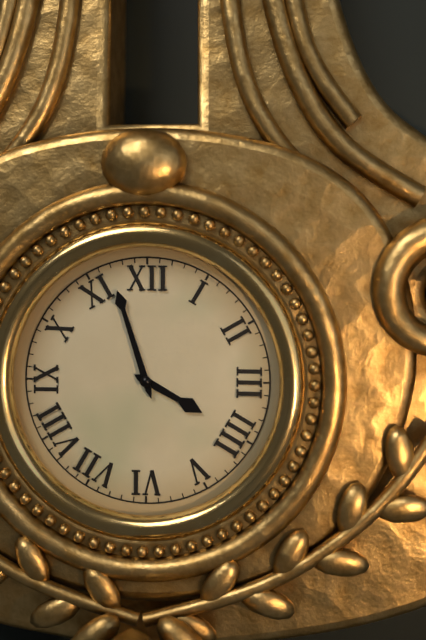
3:57
